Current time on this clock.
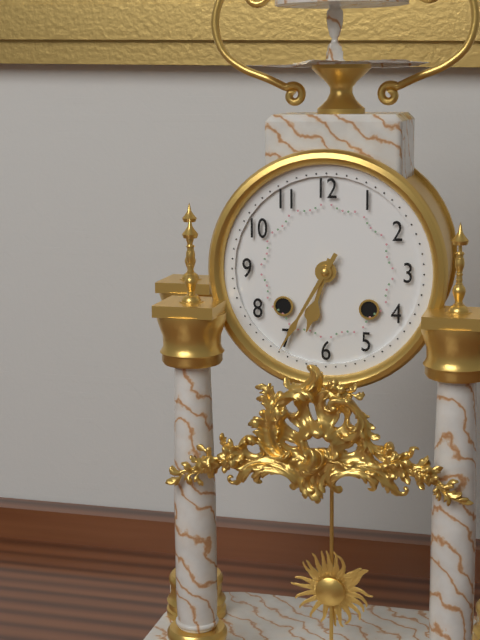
6:35
